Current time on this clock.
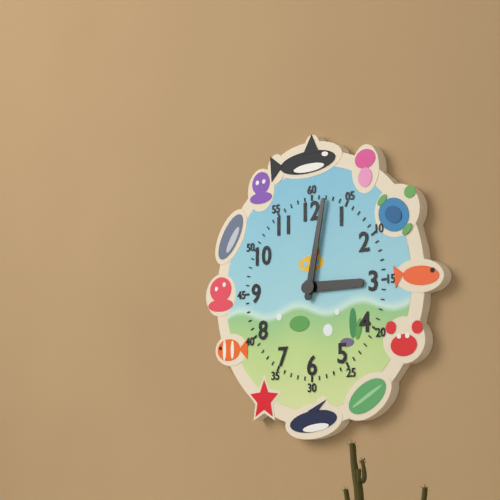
3:02
